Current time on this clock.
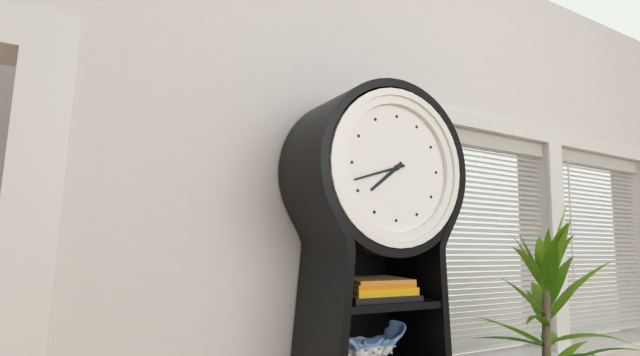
7:42
